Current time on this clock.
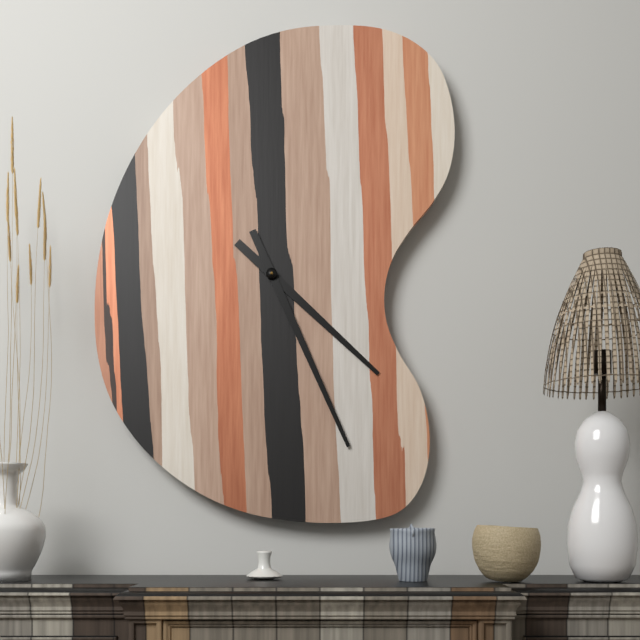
4:26
